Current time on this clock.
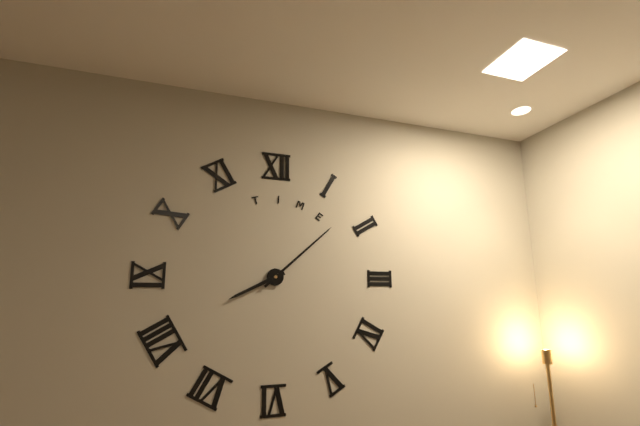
8:08
